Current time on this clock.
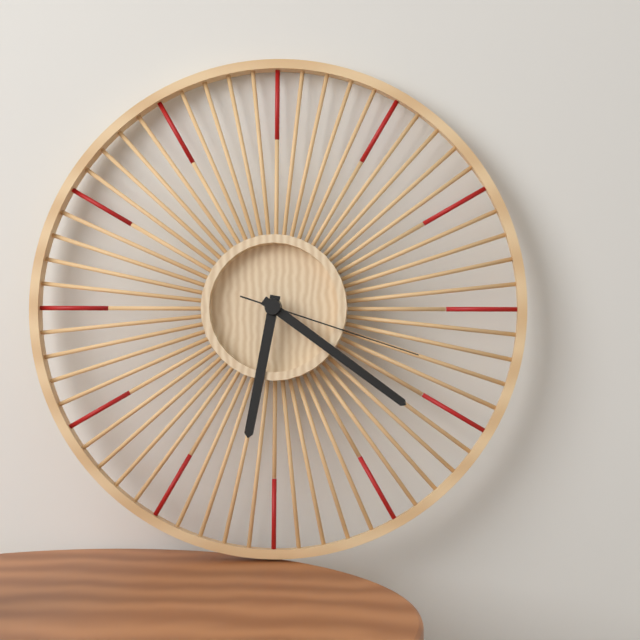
6:21:18
